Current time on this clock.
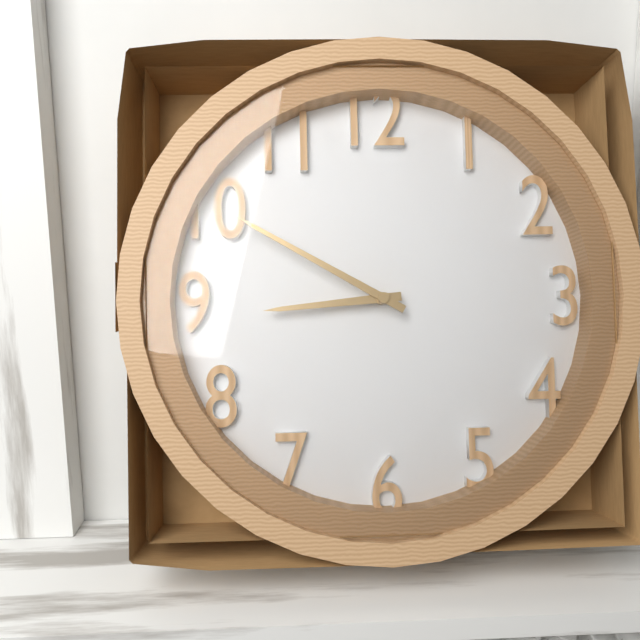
8:50
